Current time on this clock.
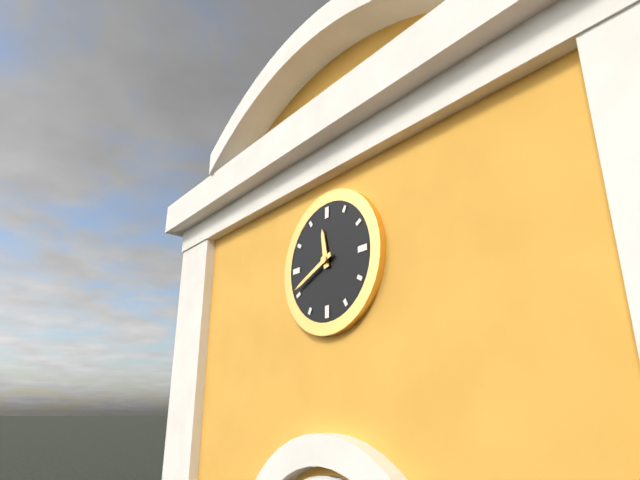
11:41
